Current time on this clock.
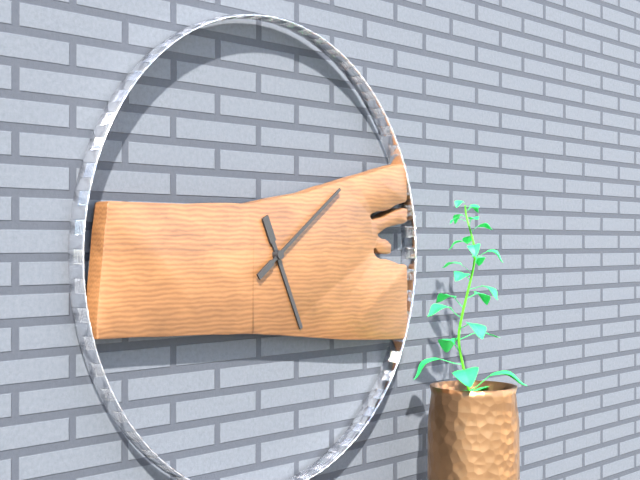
5:09
